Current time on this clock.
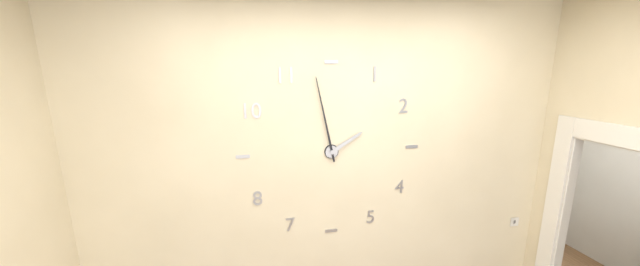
1:58
